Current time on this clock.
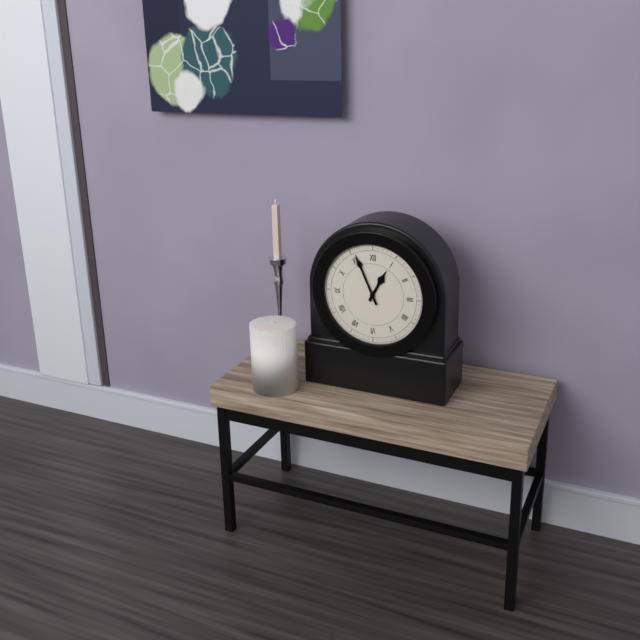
12:56
